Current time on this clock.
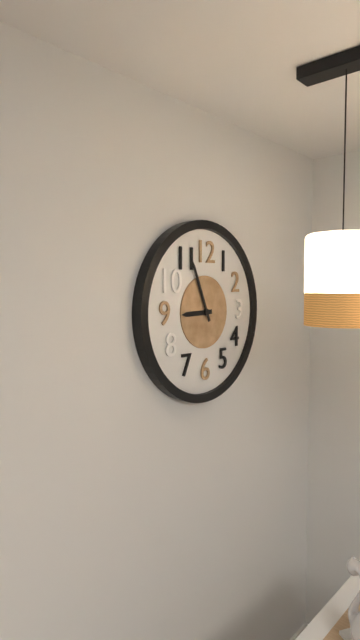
8:56
